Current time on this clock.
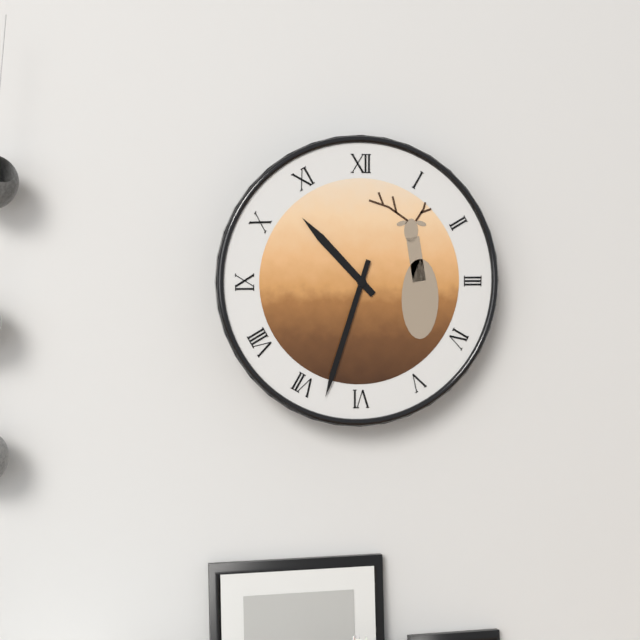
10:33
